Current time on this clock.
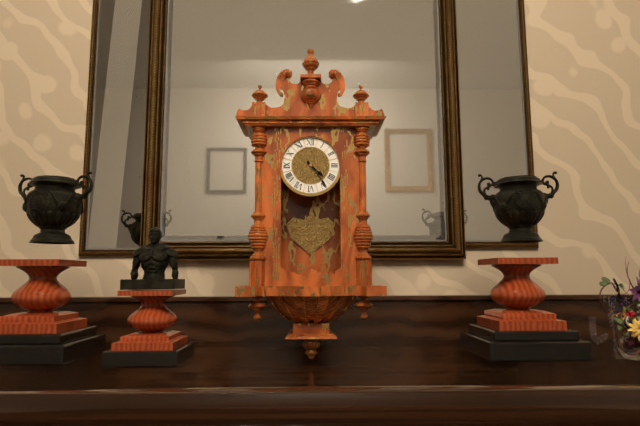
4:24
